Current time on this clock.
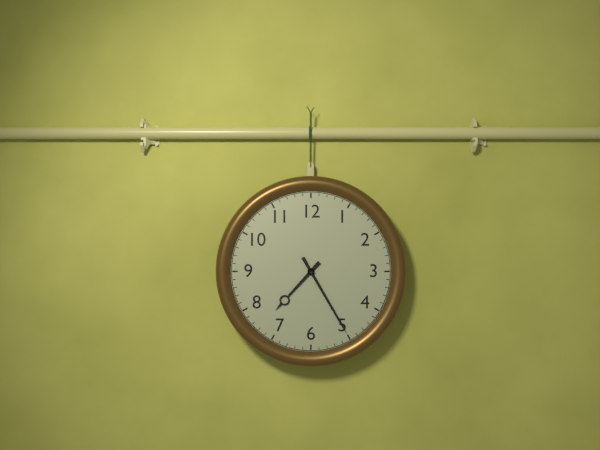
7:25
